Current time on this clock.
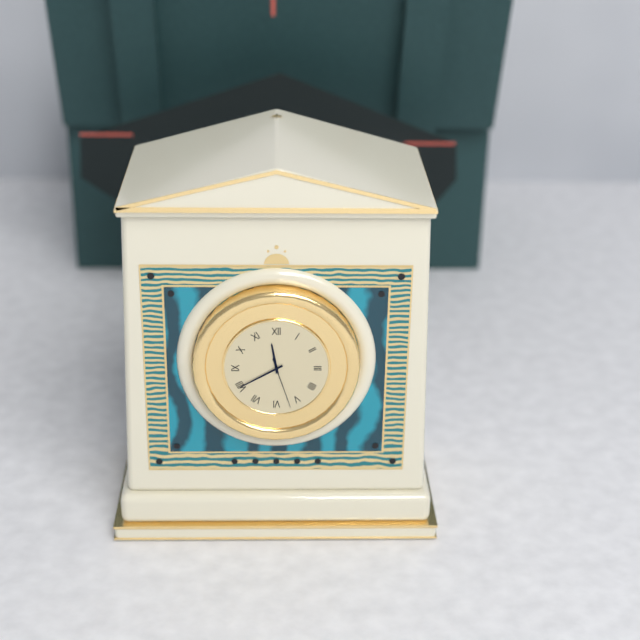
11:40:27
